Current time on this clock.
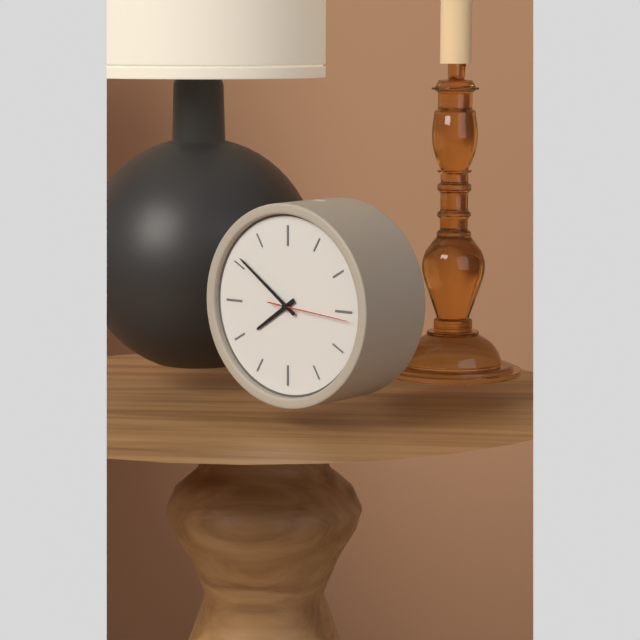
7:51:16
